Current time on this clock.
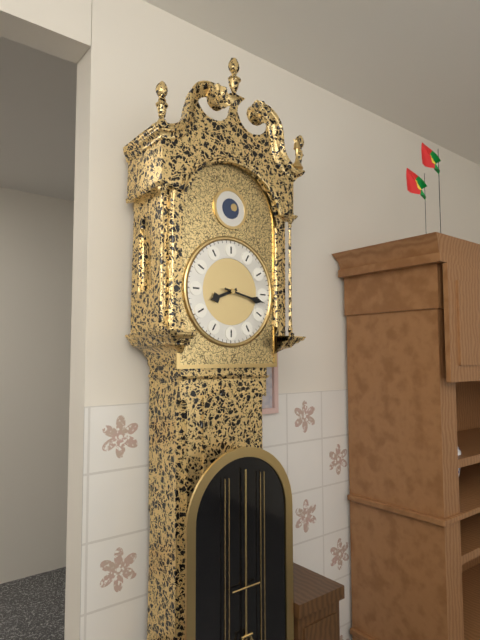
8:17
